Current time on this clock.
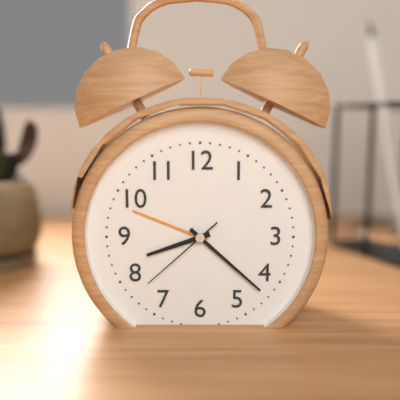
8:22:38
